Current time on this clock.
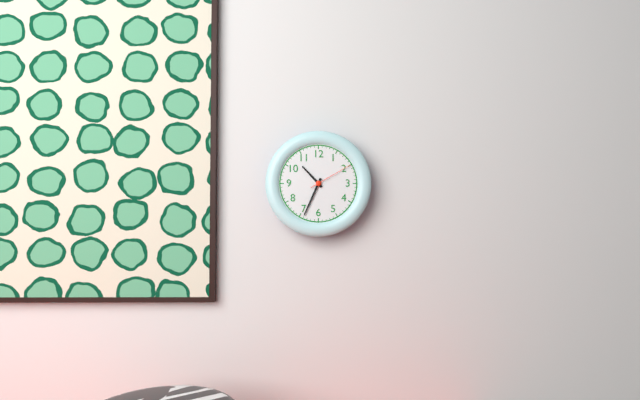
10:34
